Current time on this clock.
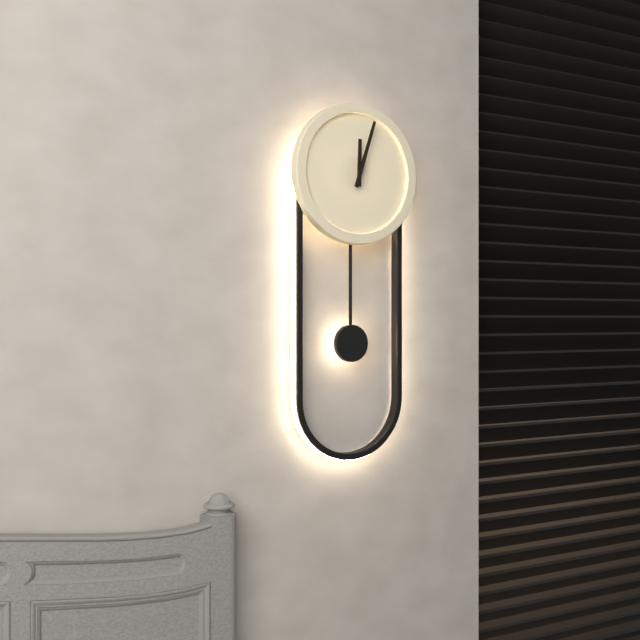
12:03
